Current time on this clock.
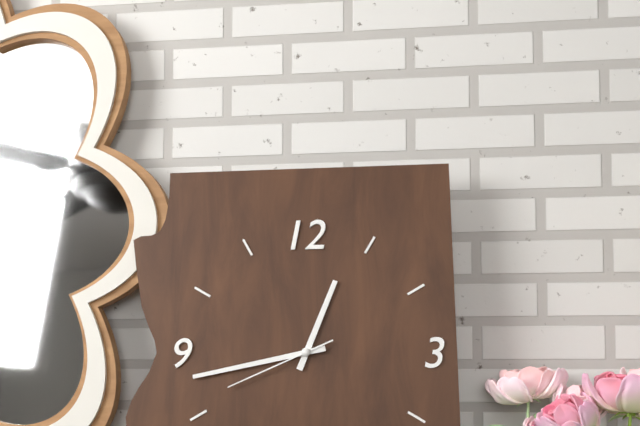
12:43:41
